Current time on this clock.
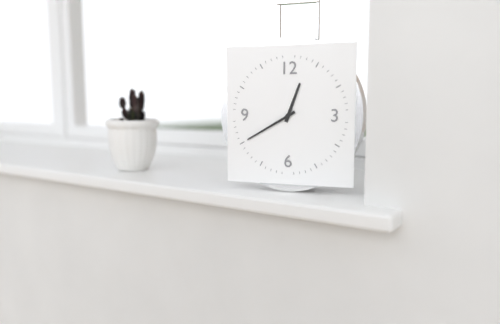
12:40
